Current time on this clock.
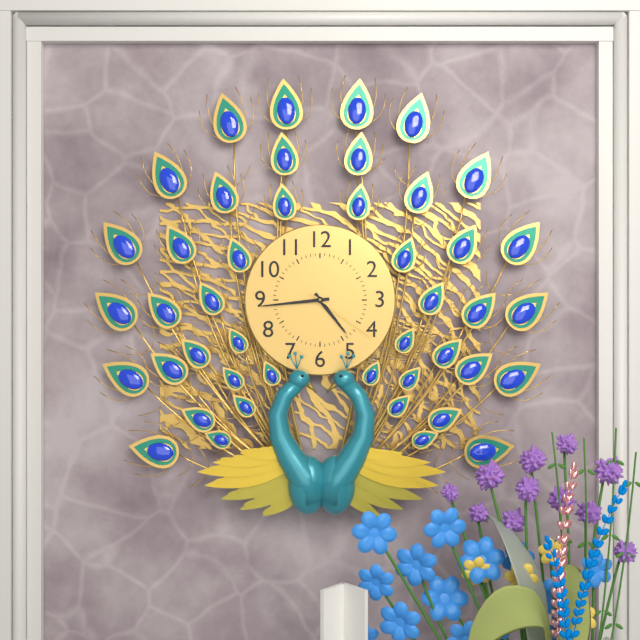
4:44:21
